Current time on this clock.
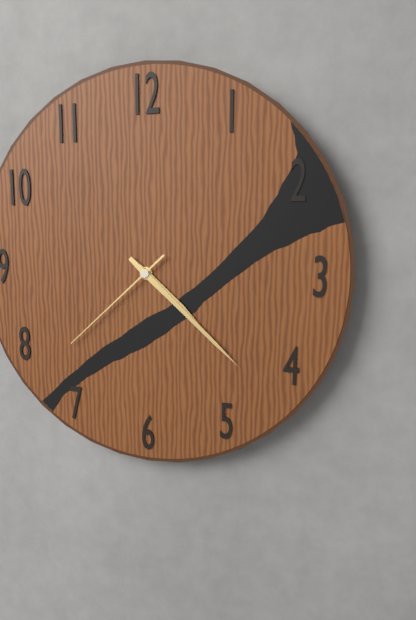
4:22:38
